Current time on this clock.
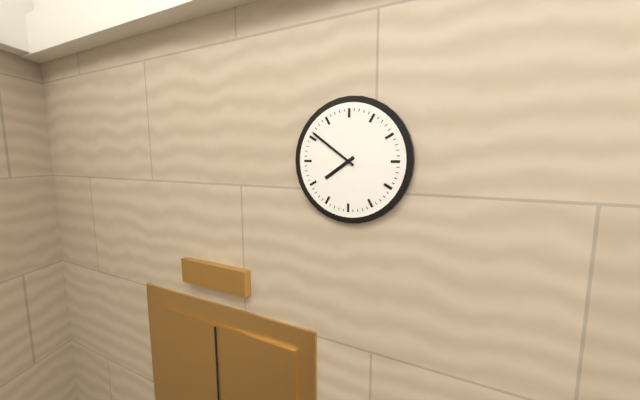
7:51
